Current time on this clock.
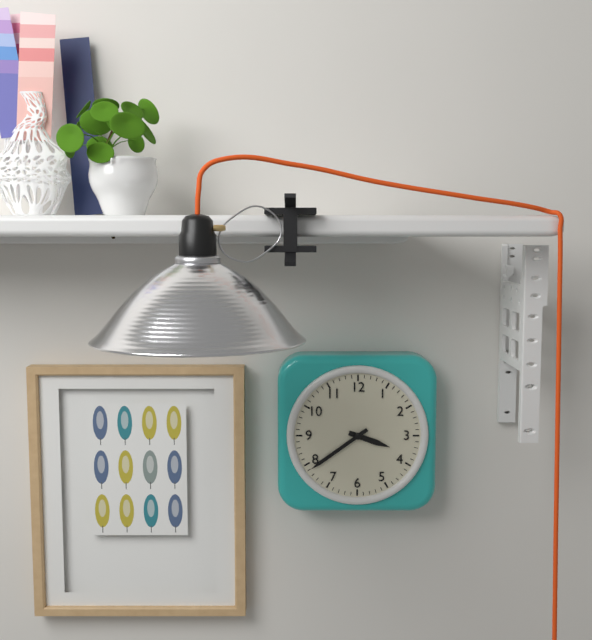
3:39
